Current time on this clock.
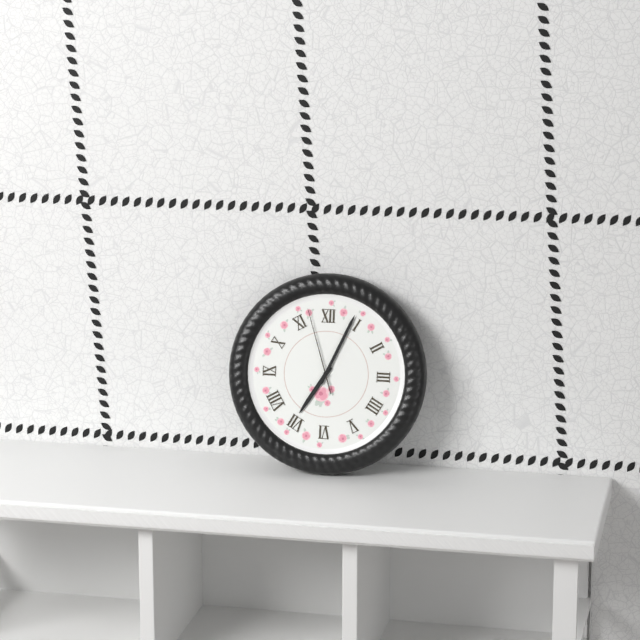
7:04:57
